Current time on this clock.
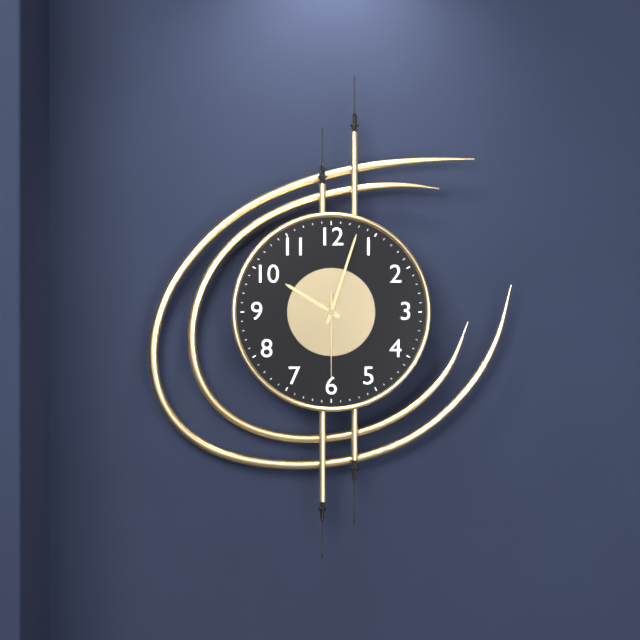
10:03:30
